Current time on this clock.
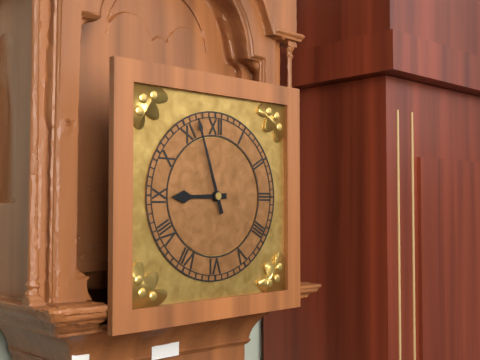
8:57
